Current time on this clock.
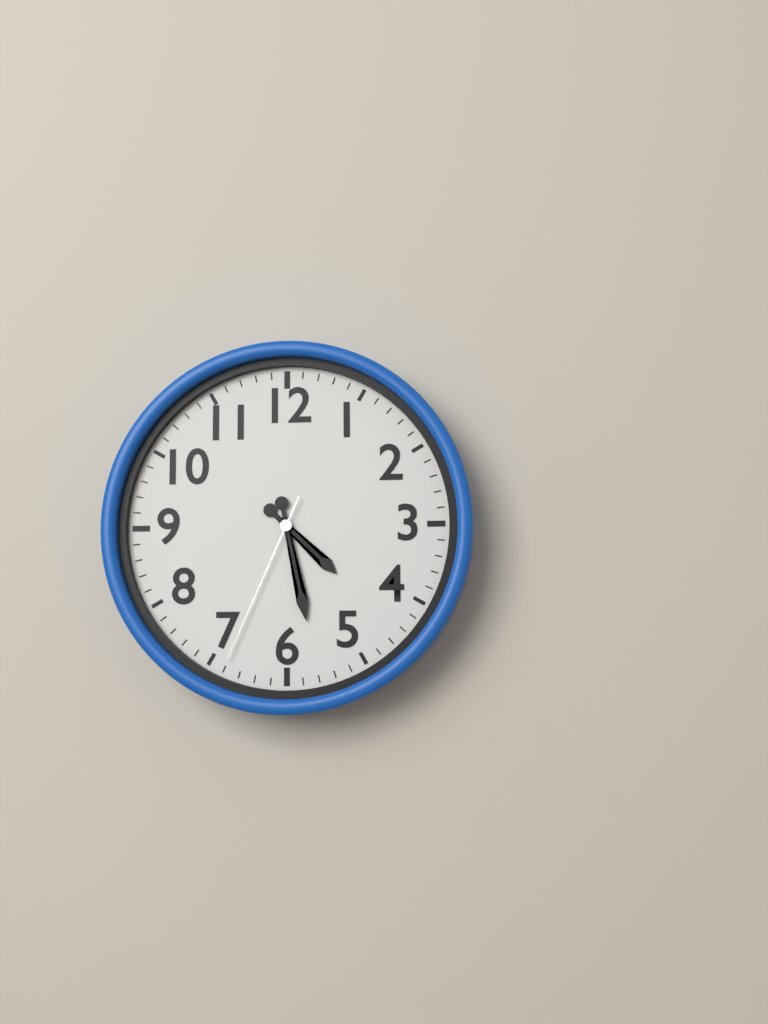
4:28:34
